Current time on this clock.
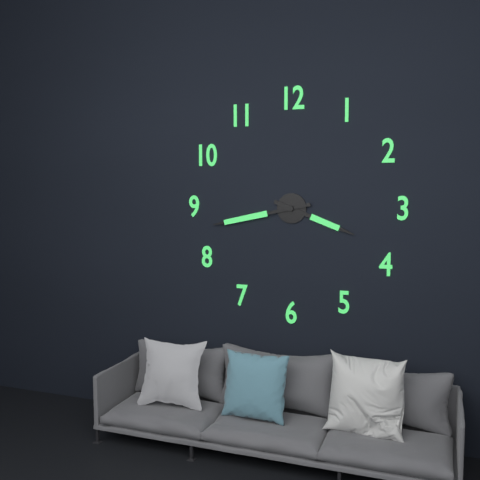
3:43
